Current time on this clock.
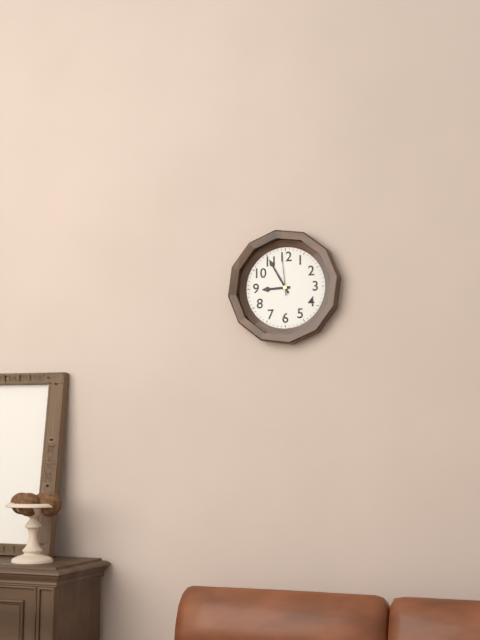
8:55
